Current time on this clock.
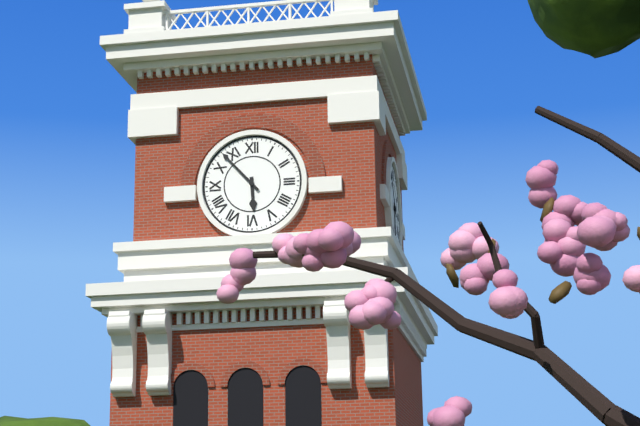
5:53
